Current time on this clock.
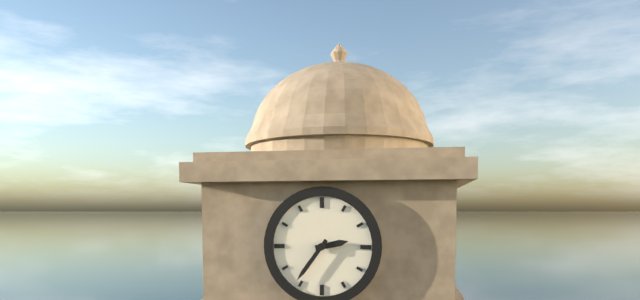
2:36
